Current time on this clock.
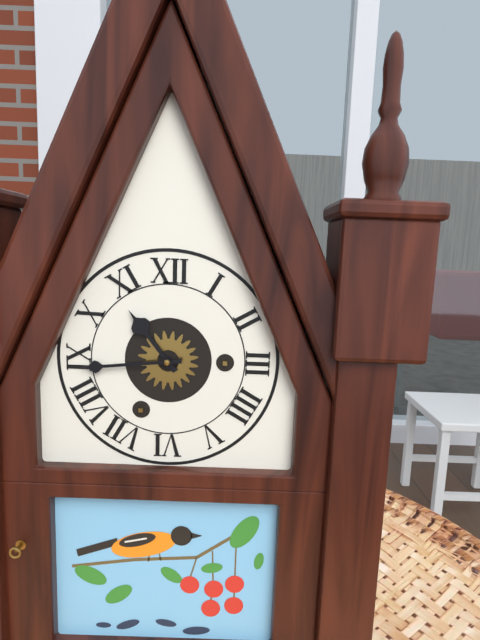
10:44
